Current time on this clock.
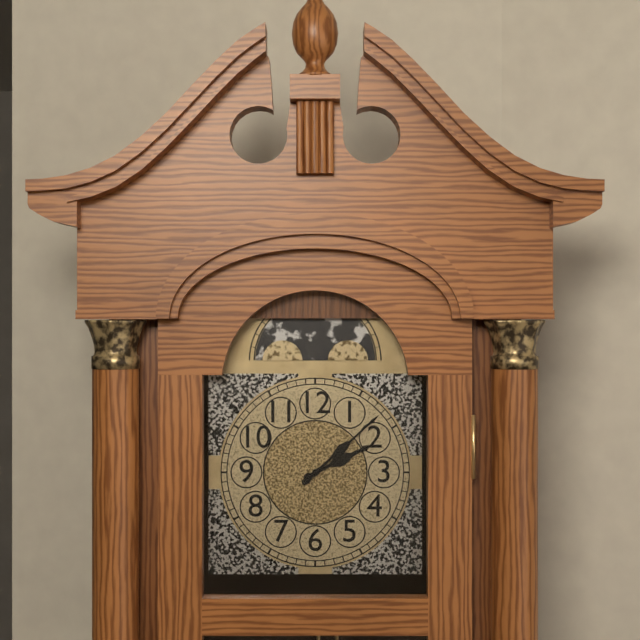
2:08
